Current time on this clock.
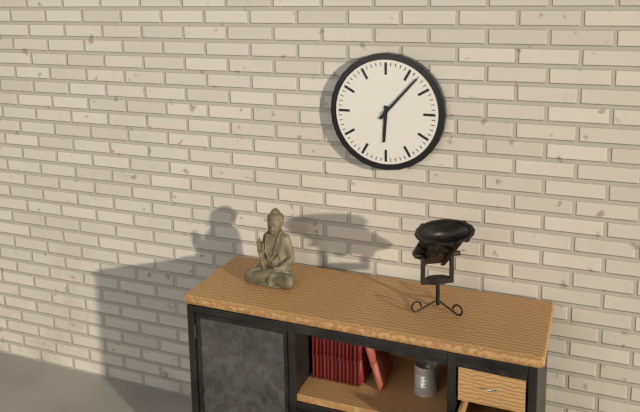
6:07
